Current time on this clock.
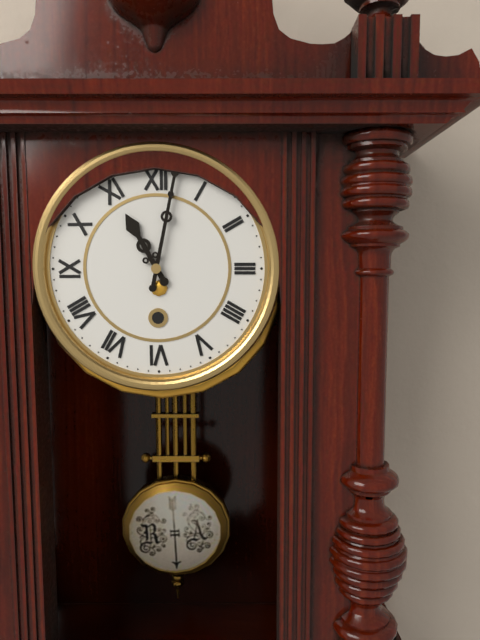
11:02
